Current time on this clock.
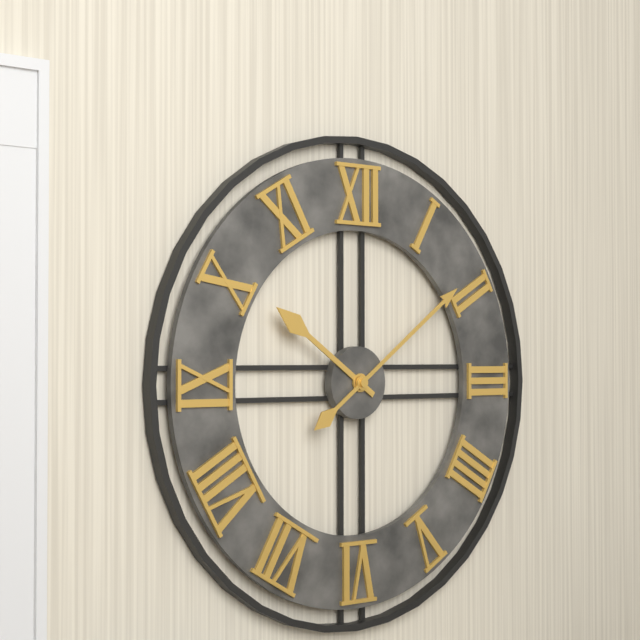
10:09
